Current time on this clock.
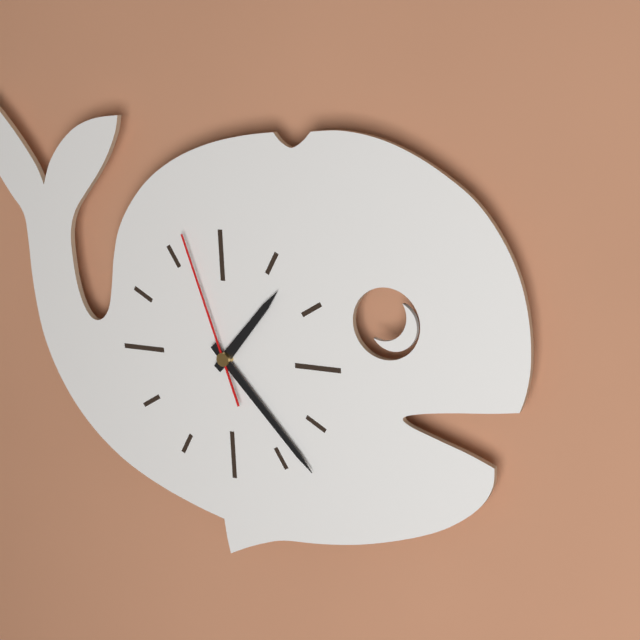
1:23:57
